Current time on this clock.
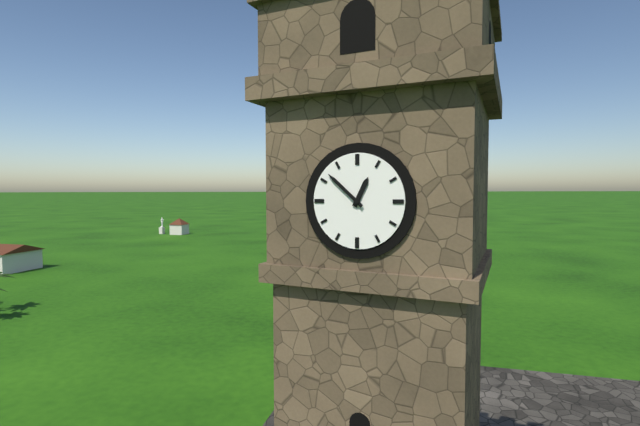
12:52
